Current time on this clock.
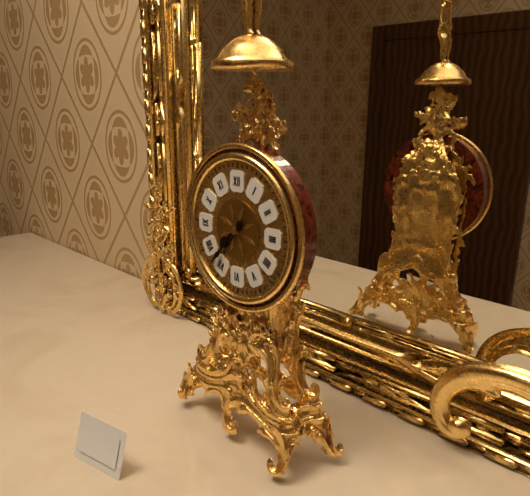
7:37
